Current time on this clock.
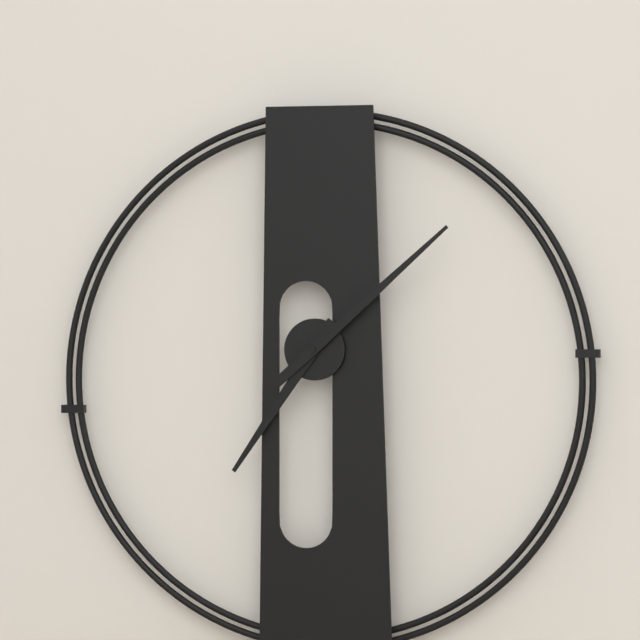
7:08
